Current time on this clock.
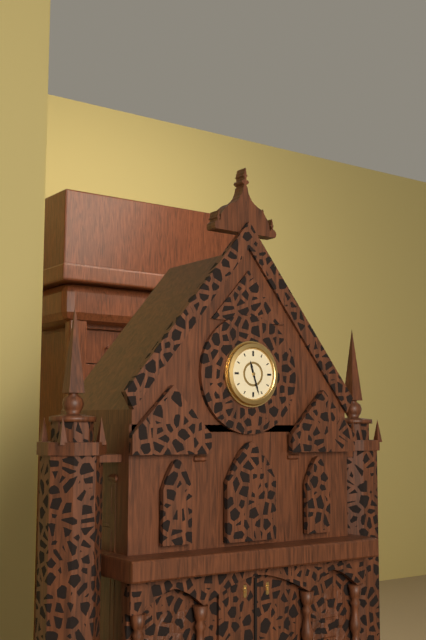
11:27
